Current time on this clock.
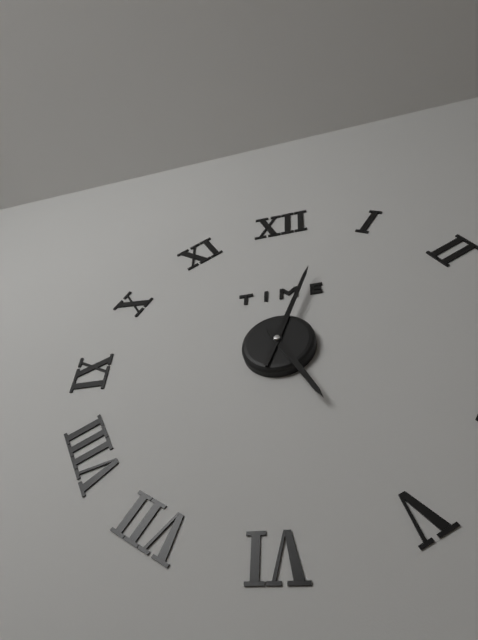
5:03
